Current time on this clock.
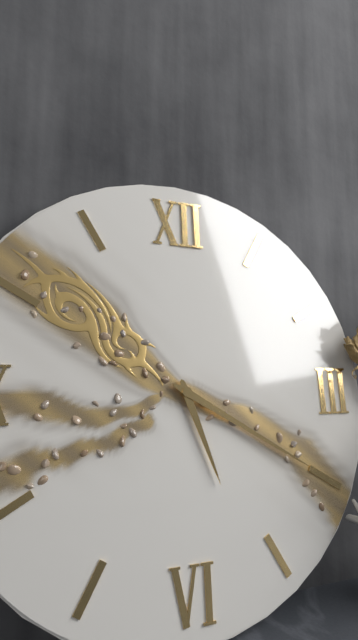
5:20
